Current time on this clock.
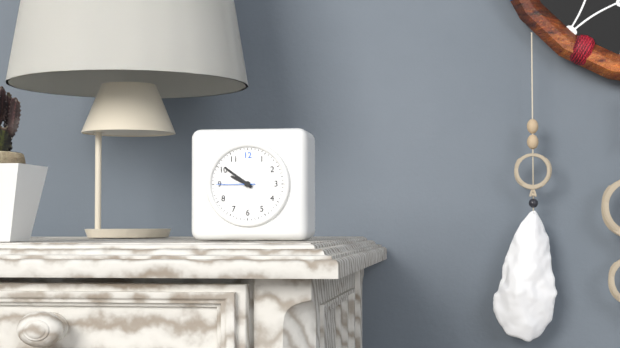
9:51
